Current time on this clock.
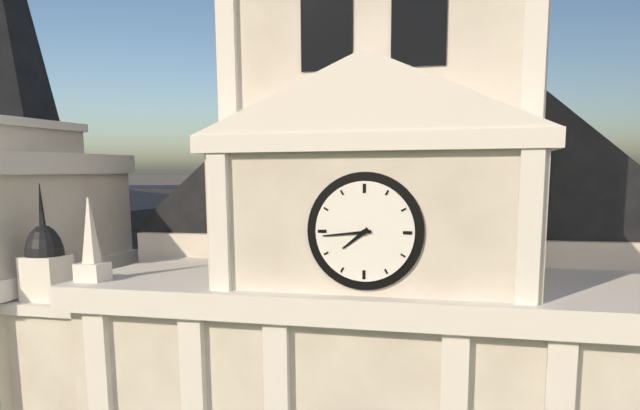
7:44
